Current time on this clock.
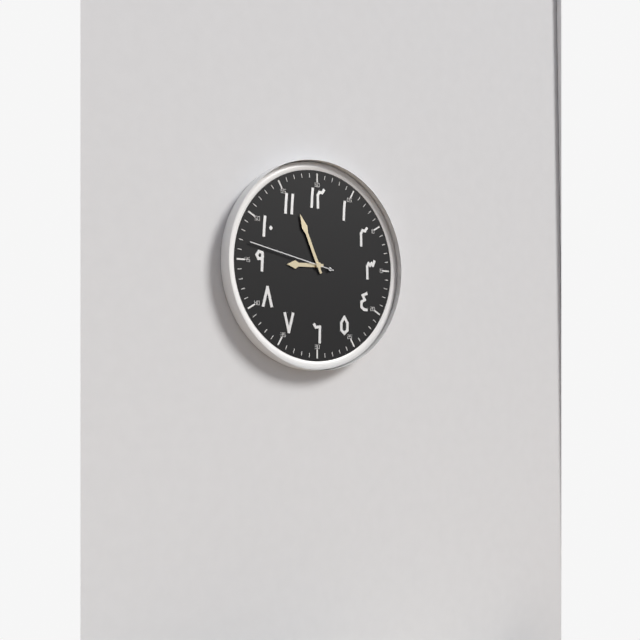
8:56:47
